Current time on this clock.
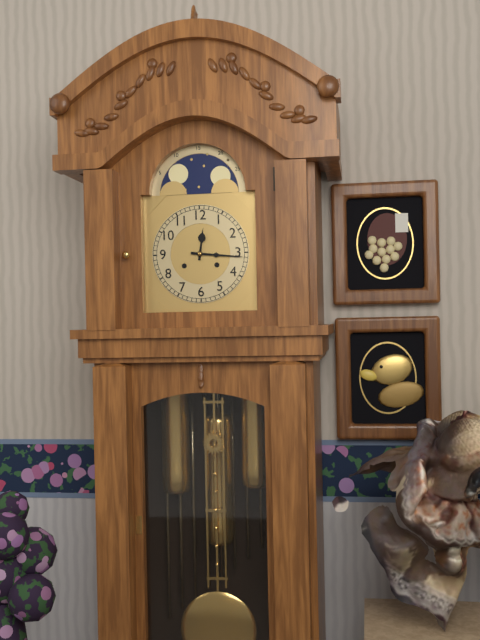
12:16
